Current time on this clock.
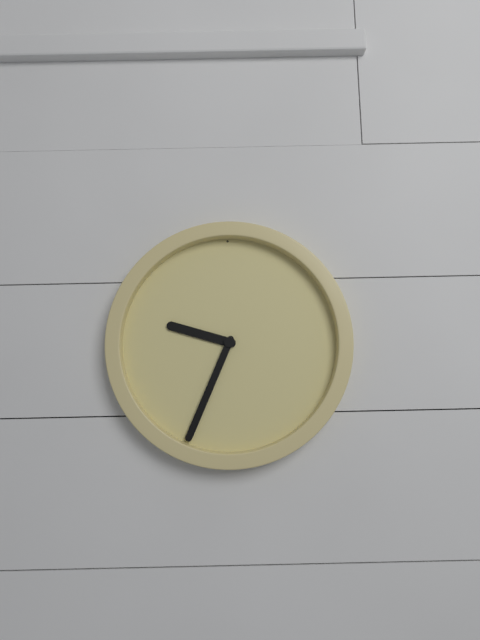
9:34
